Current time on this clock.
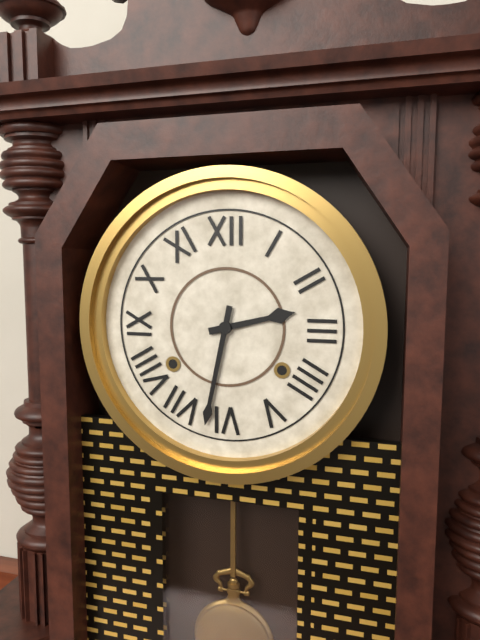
2:32
